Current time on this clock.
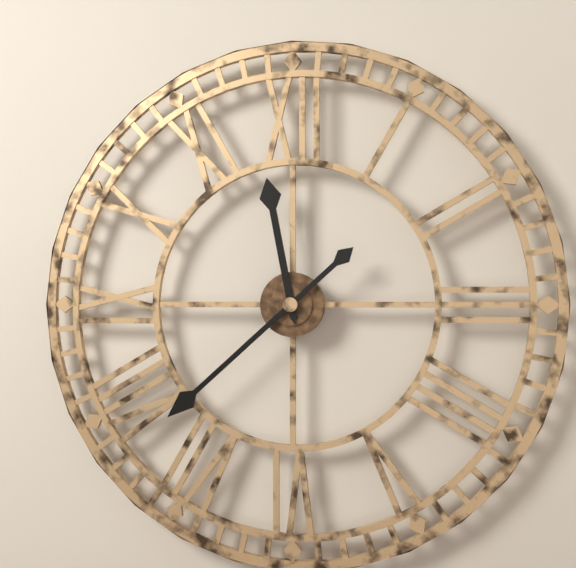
11:38
